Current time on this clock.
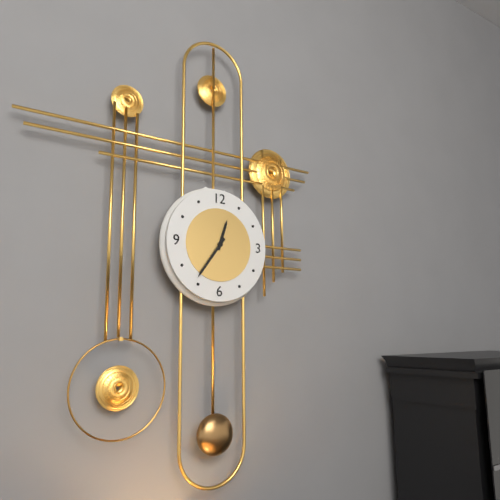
12:36
